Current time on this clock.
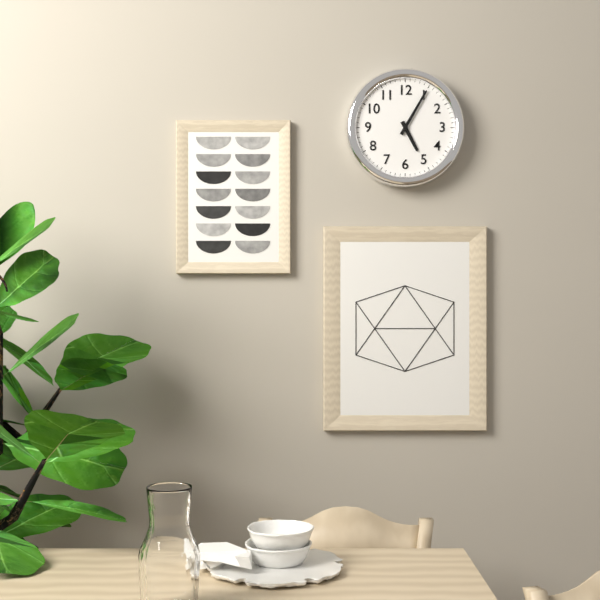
5:05
